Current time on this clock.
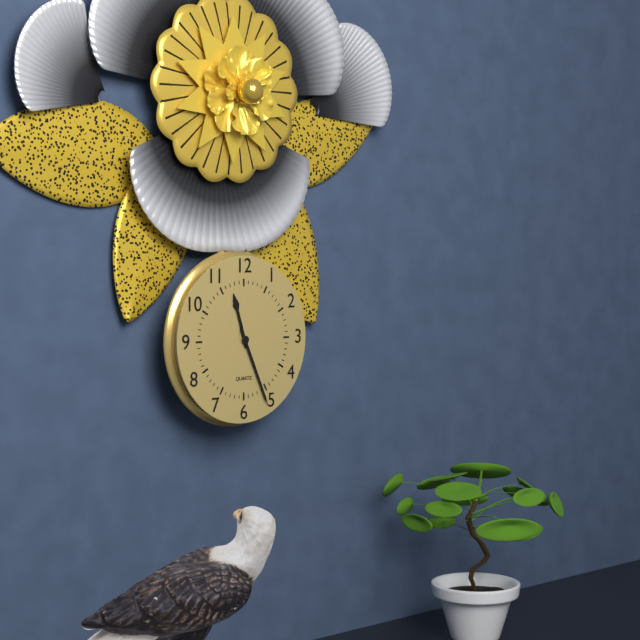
11:26
